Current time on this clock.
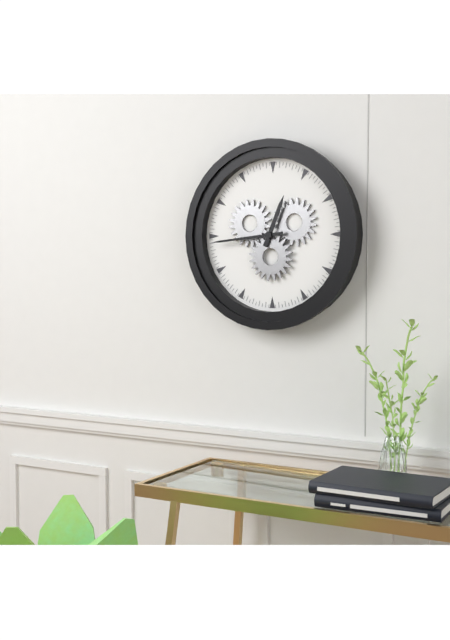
12:44
